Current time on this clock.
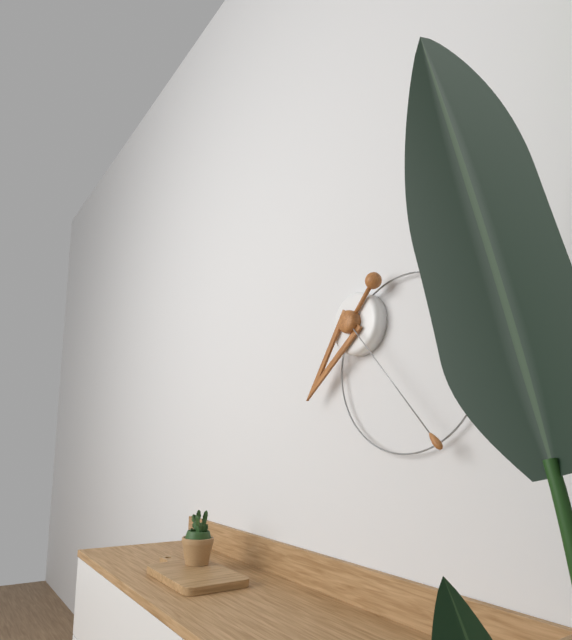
7:23
